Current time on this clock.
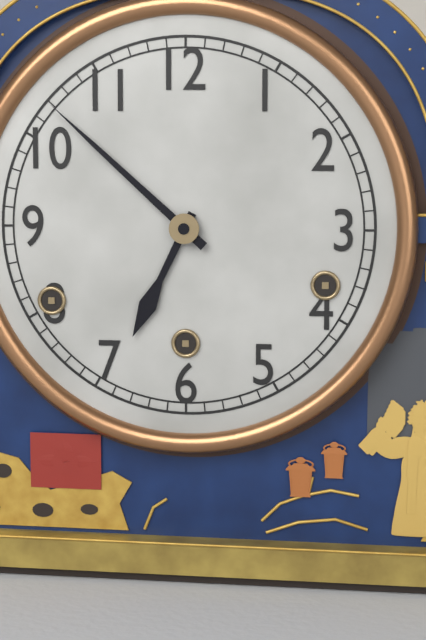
6:52
